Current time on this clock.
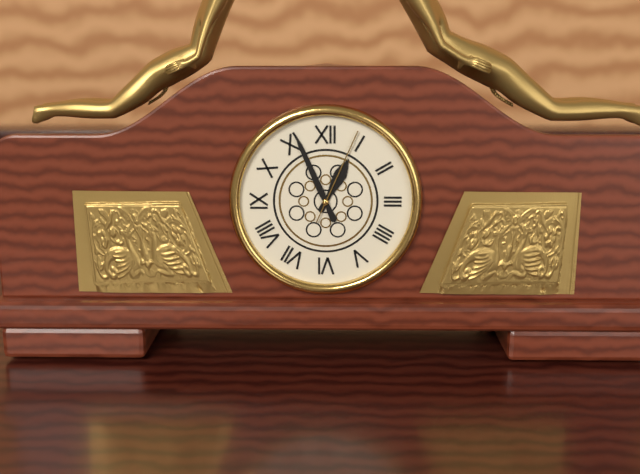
12:56:04
